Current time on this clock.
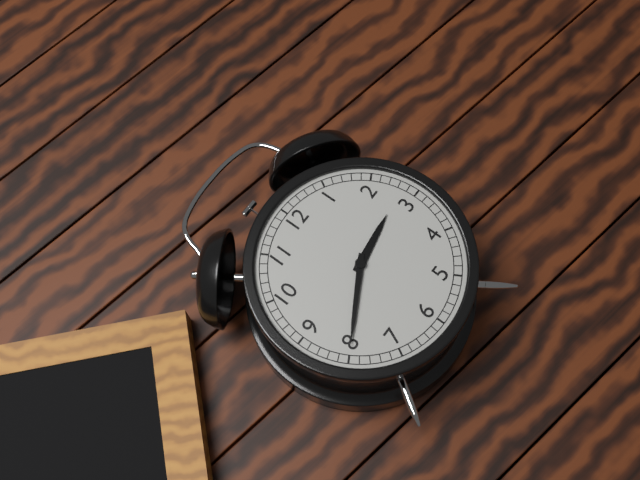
2:40
